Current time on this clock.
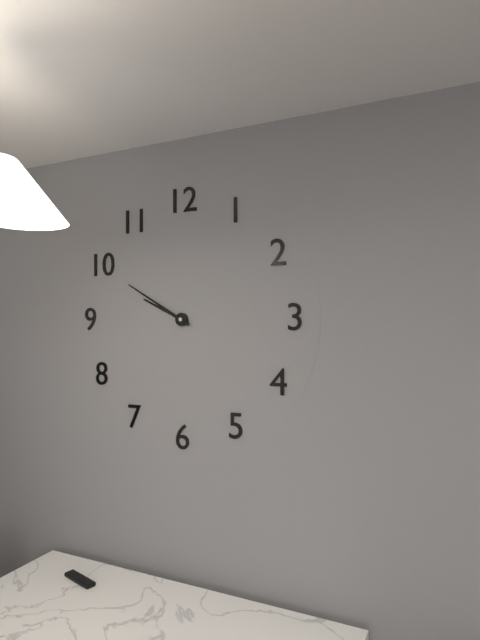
9:50
